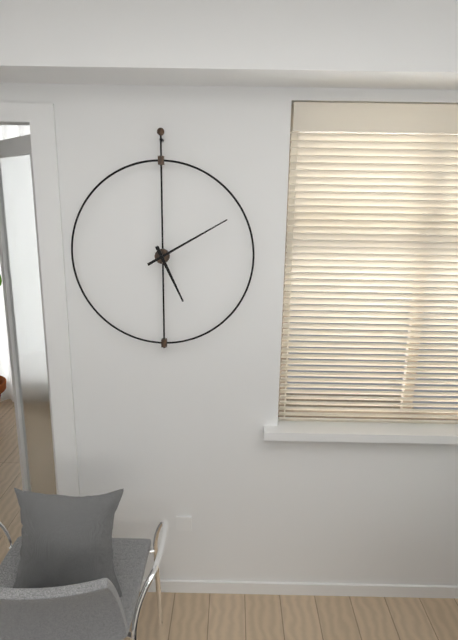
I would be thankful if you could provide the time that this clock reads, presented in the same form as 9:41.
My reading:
5:10
